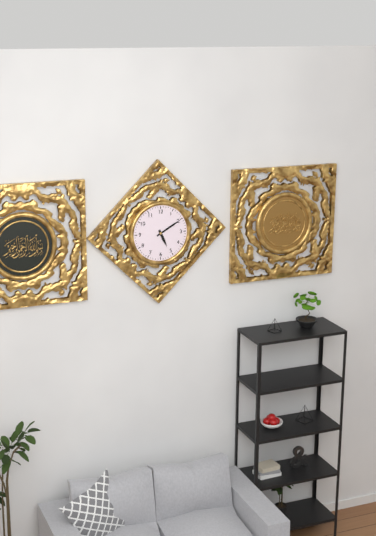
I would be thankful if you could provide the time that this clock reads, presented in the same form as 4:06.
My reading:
5:10
